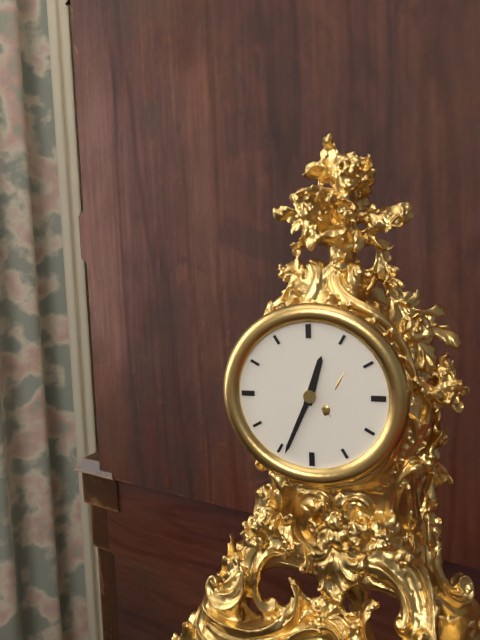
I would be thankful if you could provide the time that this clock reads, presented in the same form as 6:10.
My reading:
12:34
